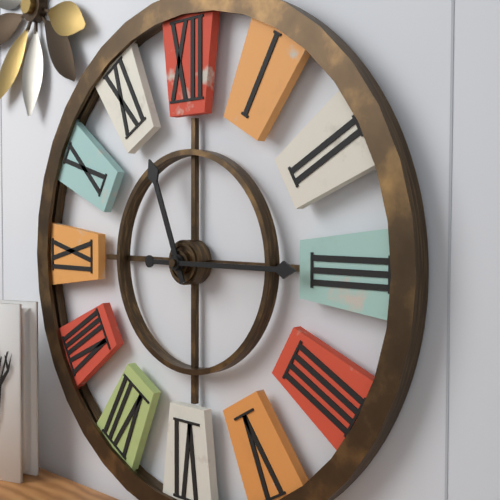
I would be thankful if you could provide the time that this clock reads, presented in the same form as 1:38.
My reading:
11:15
